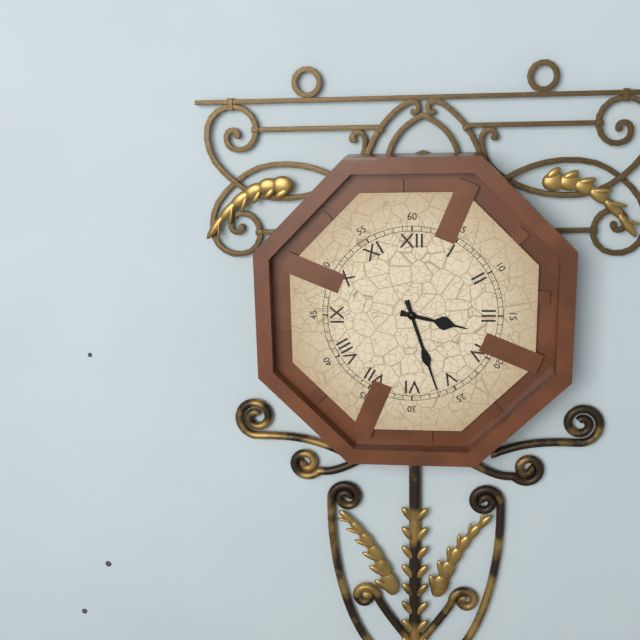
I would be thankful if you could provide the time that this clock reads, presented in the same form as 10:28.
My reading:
3:27
